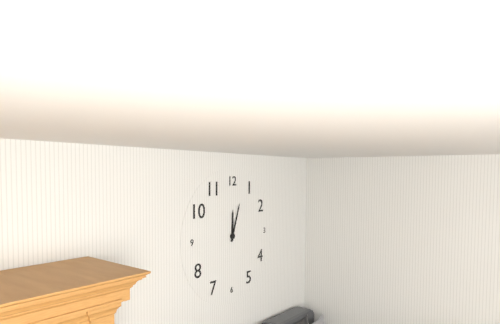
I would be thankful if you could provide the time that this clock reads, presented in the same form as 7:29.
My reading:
12:03
